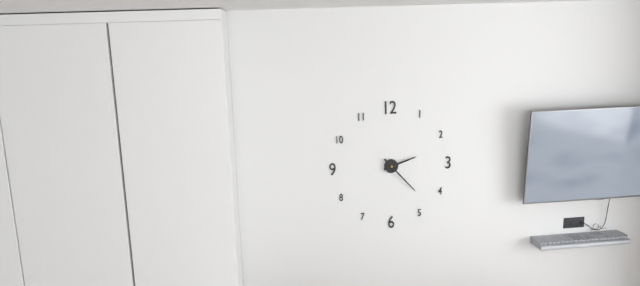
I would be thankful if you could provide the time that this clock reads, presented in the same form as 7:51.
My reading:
2:23
